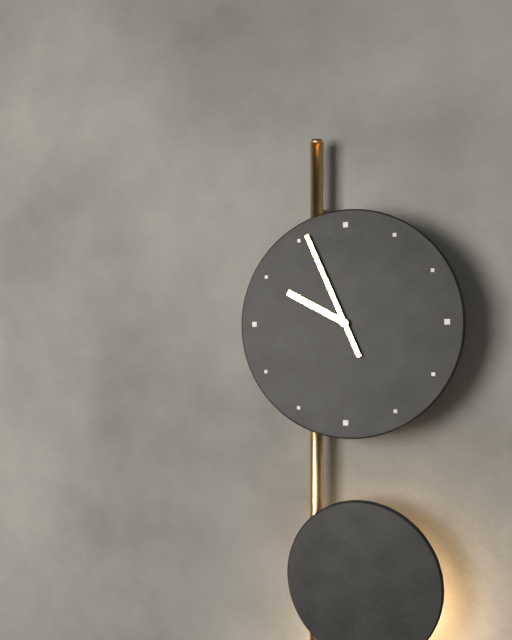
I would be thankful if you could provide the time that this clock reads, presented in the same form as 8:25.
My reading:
9:56
